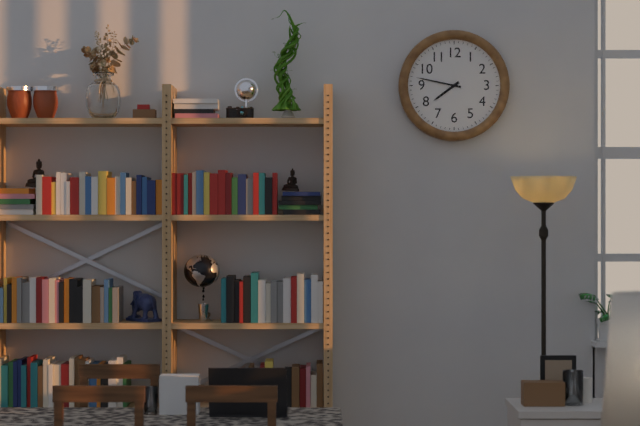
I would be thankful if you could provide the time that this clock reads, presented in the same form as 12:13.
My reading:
7:47
